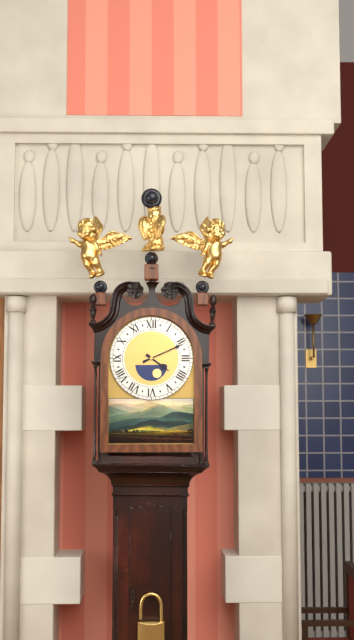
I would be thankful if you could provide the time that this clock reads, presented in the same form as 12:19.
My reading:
4:11
